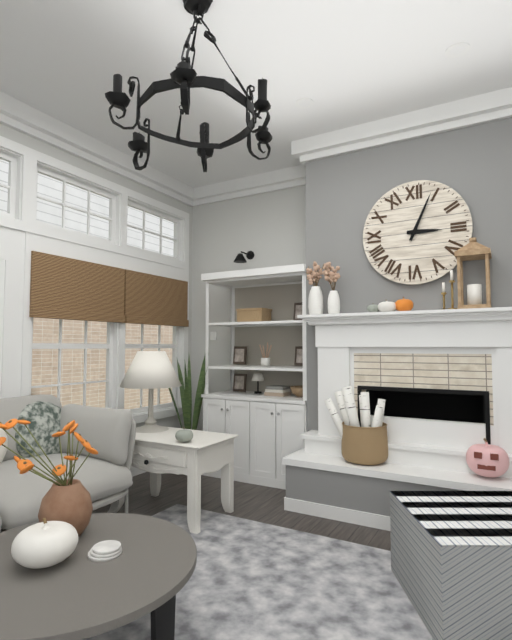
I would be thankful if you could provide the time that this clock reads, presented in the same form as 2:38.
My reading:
3:04
